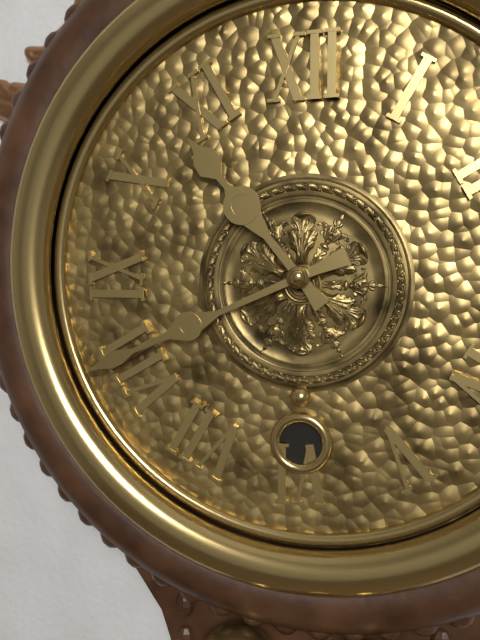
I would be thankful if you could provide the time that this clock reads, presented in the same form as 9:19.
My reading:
10:41
